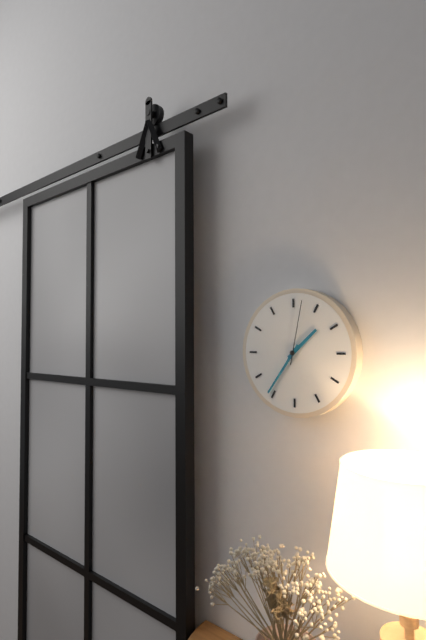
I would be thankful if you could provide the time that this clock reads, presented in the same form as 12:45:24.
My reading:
1:36:02
